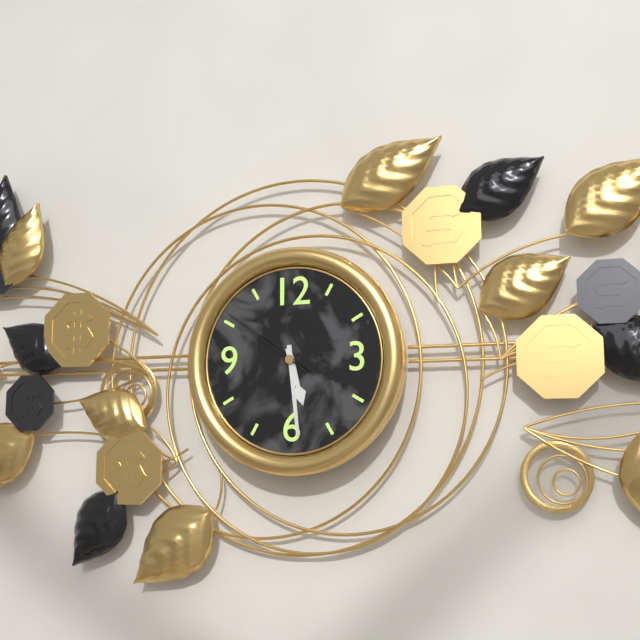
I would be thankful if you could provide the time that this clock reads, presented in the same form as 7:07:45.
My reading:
5:29:51
